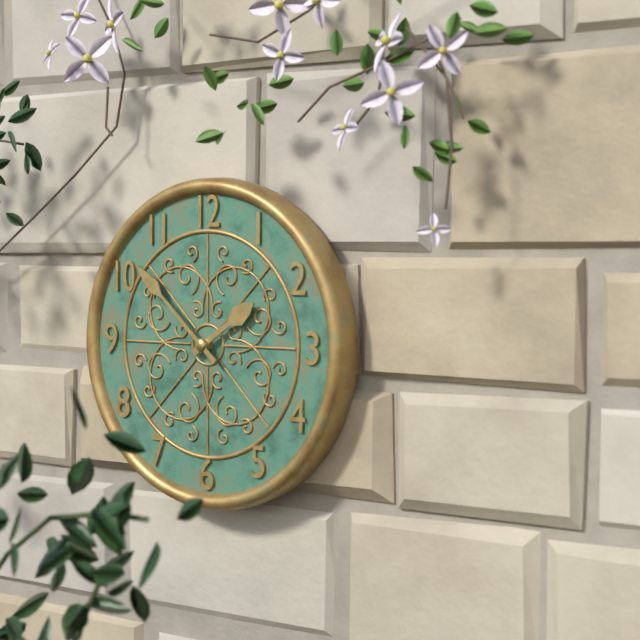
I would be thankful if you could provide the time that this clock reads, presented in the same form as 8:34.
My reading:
1:52
